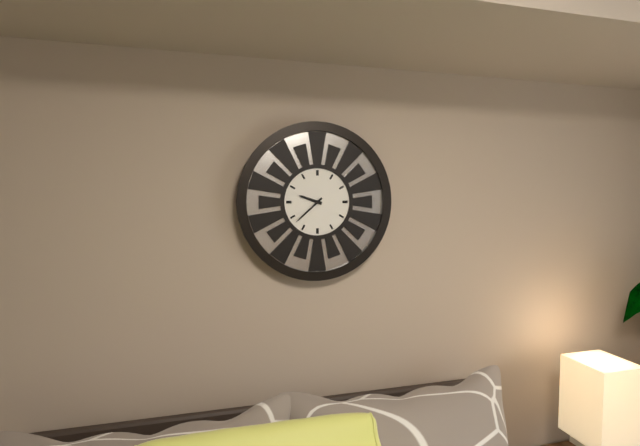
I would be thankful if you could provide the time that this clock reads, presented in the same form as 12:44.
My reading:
9:38
